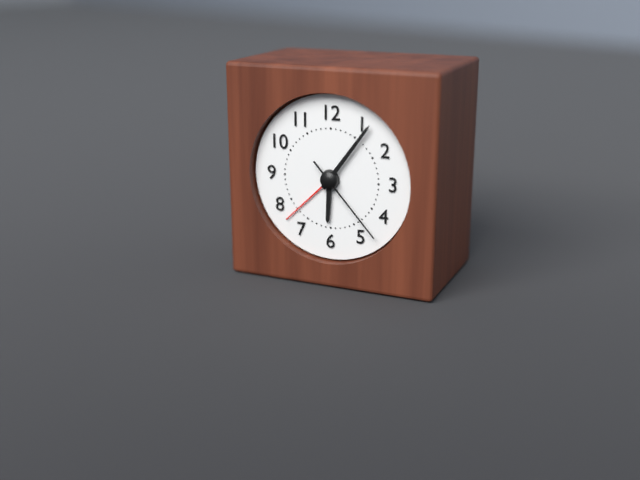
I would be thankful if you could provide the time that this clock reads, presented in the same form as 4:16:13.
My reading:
6:06:23
